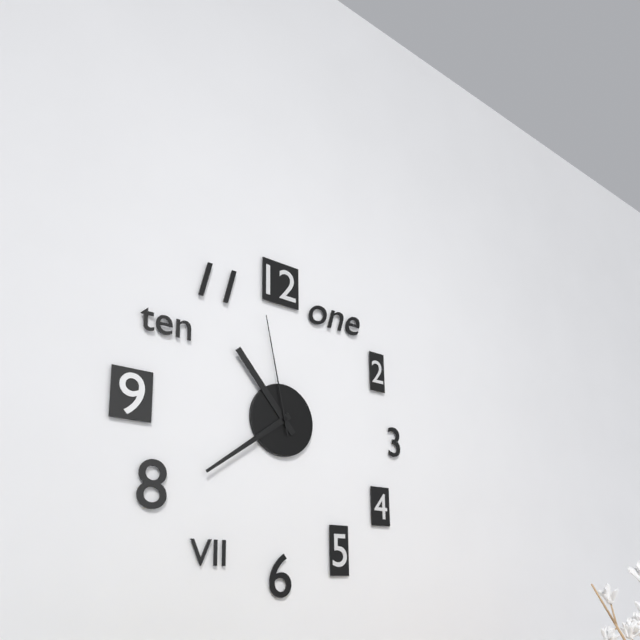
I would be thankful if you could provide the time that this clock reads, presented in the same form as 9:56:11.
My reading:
10:39:58
